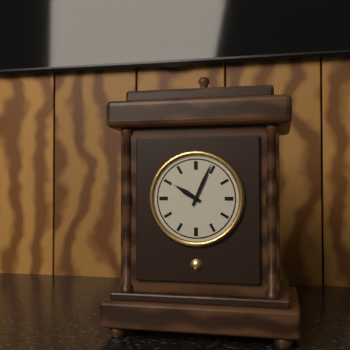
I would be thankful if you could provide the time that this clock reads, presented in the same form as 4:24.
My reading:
10:04
